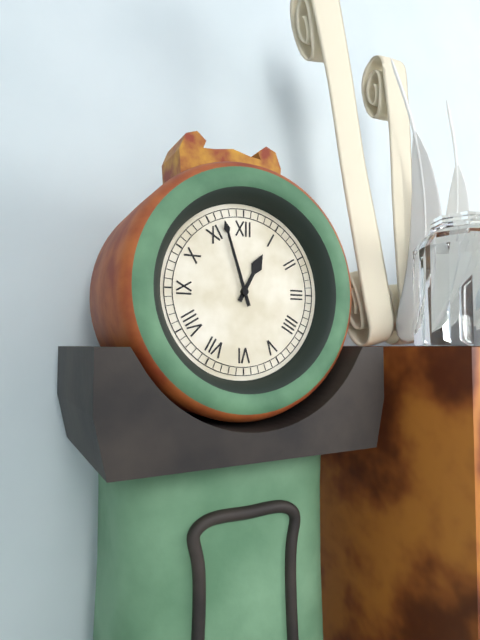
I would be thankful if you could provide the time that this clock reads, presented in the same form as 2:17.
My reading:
12:57
